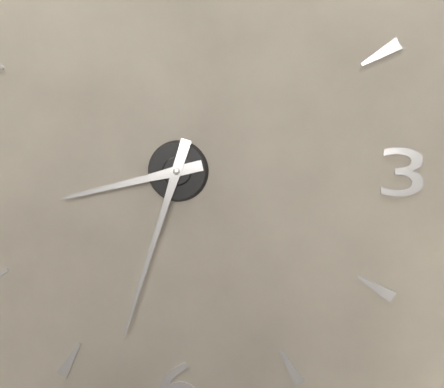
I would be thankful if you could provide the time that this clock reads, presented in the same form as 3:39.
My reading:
8:33
